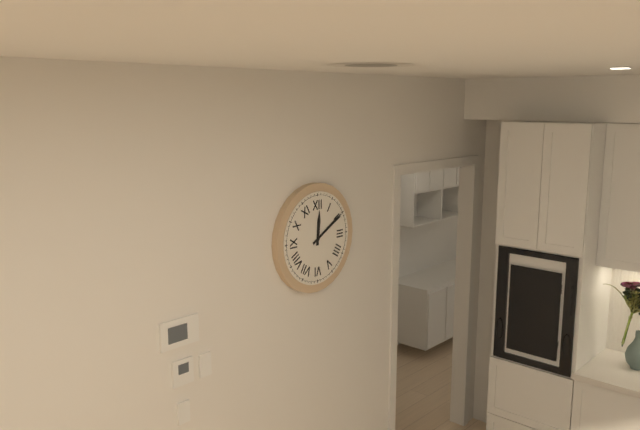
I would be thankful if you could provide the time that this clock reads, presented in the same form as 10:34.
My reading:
12:10
